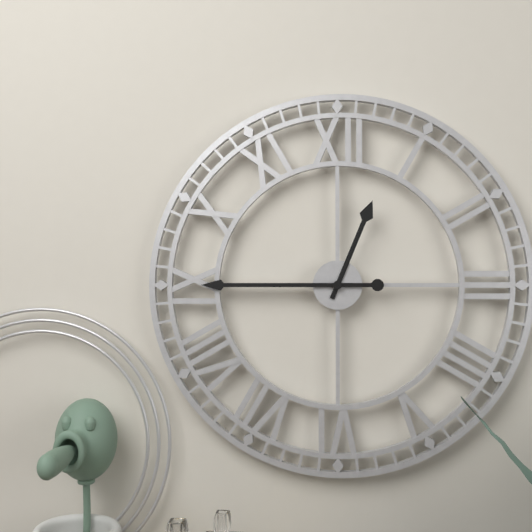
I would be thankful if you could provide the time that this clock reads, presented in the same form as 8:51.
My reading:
12:45
